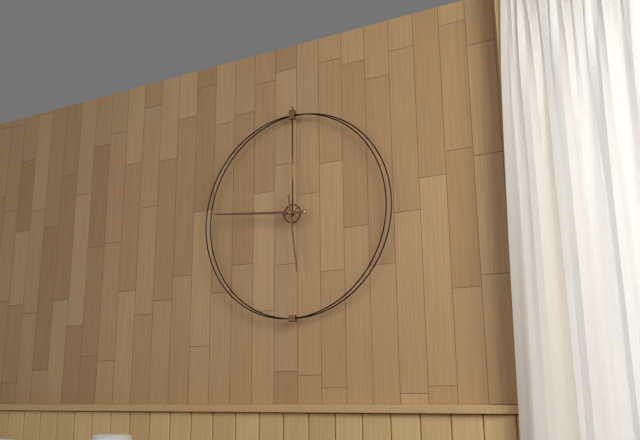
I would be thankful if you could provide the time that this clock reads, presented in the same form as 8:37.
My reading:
5:46
